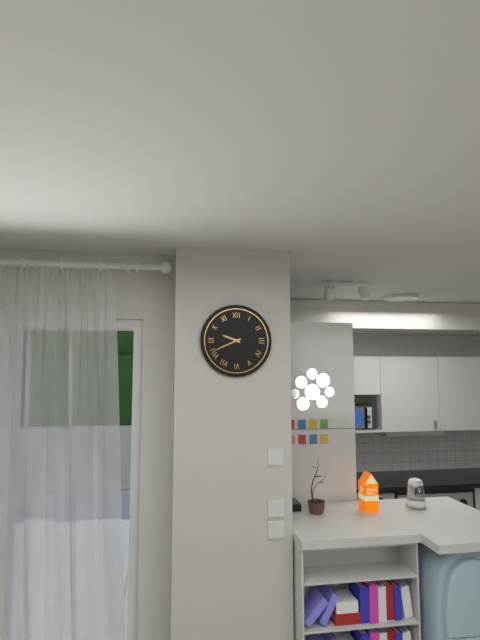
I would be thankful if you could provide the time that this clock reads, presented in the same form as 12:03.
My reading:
9:41
